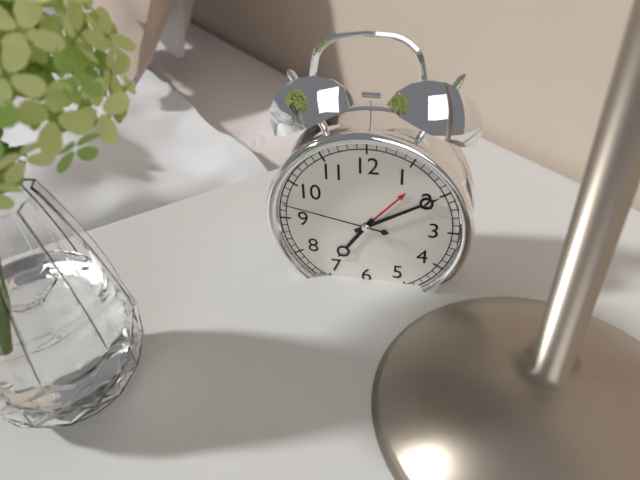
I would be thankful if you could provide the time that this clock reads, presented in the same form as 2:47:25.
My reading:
7:10:47
